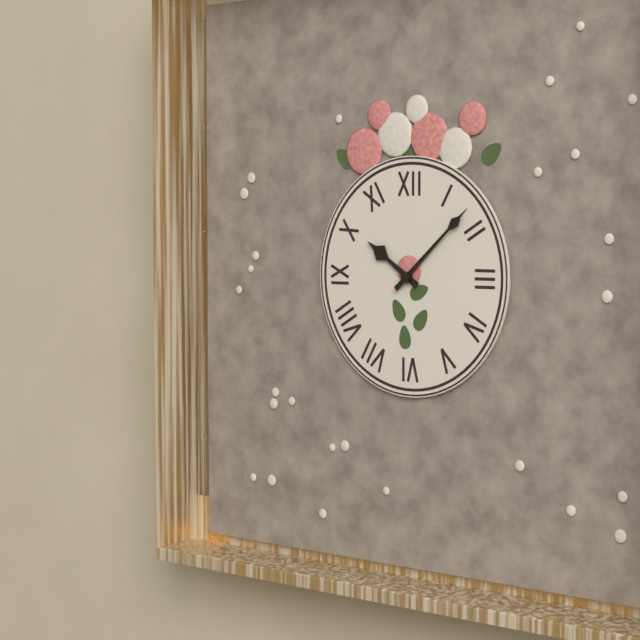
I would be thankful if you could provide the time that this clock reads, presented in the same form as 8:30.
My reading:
10:08
